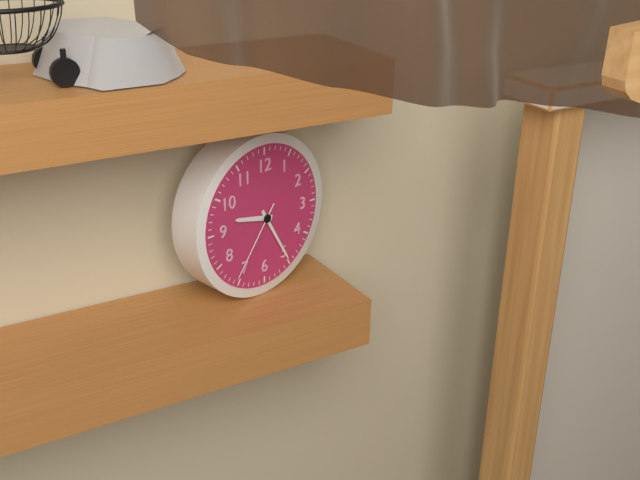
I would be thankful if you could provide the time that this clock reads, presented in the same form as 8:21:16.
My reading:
9:25:36
